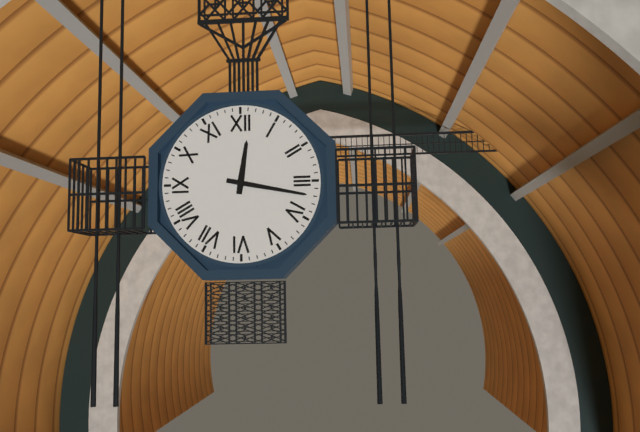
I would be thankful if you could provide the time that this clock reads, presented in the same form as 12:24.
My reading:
12:17
